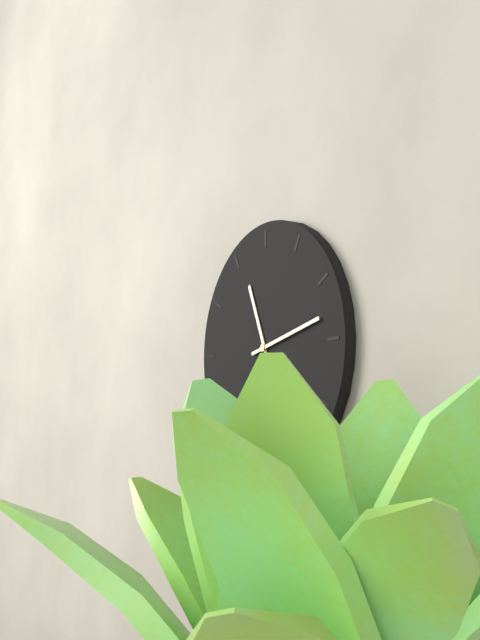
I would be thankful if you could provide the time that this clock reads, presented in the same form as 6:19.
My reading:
11:13
